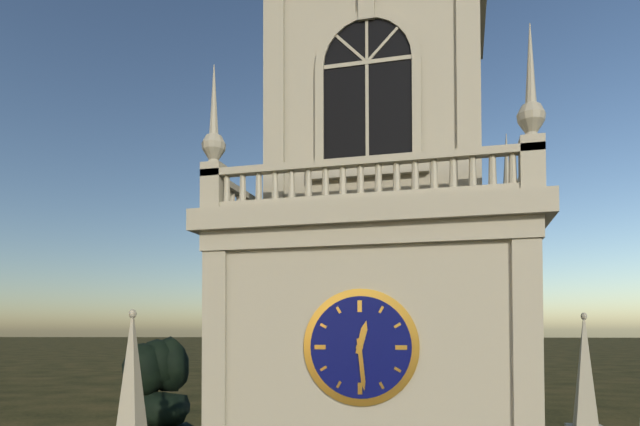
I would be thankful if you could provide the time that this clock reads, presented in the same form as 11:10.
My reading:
12:29
